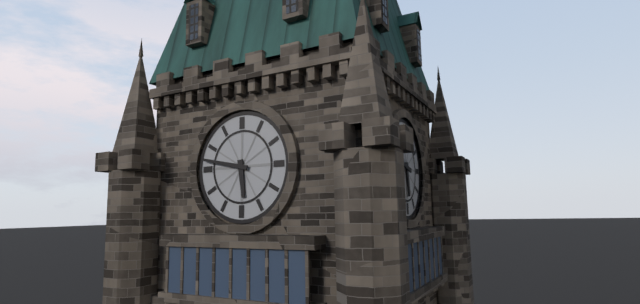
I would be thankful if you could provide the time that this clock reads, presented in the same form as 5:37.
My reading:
5:47
